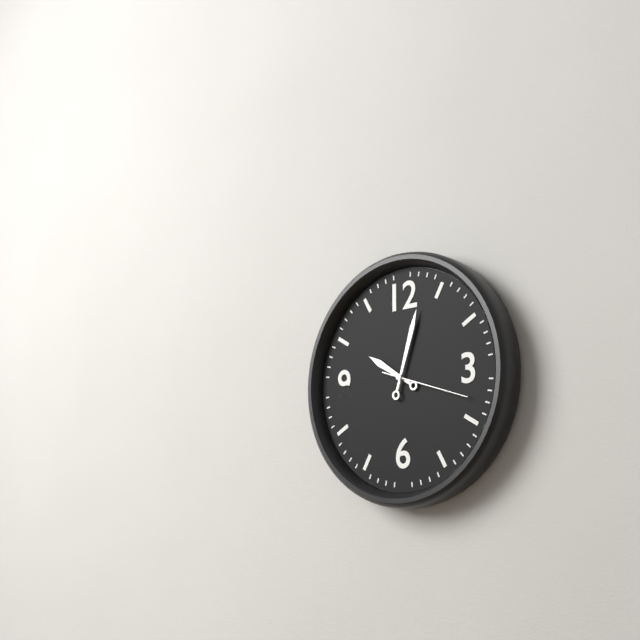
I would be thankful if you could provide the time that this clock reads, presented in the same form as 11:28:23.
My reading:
10:03:18
